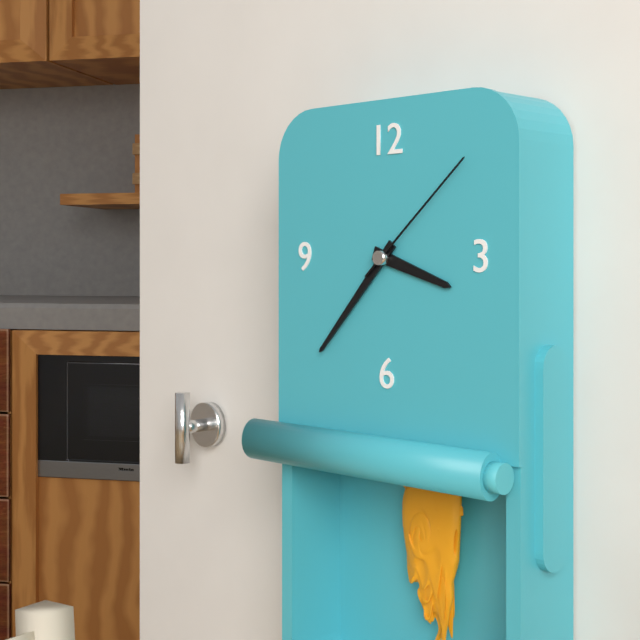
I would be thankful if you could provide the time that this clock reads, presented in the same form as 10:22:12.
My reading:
3:37:08
